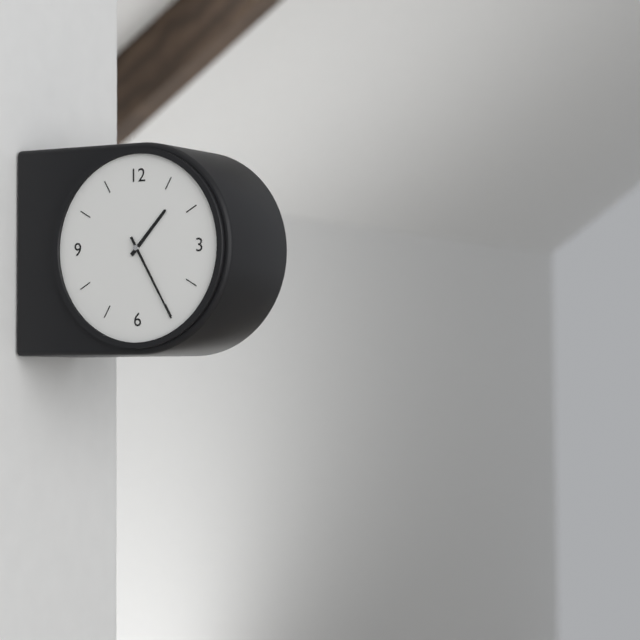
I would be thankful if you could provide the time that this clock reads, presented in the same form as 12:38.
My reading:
1:25
